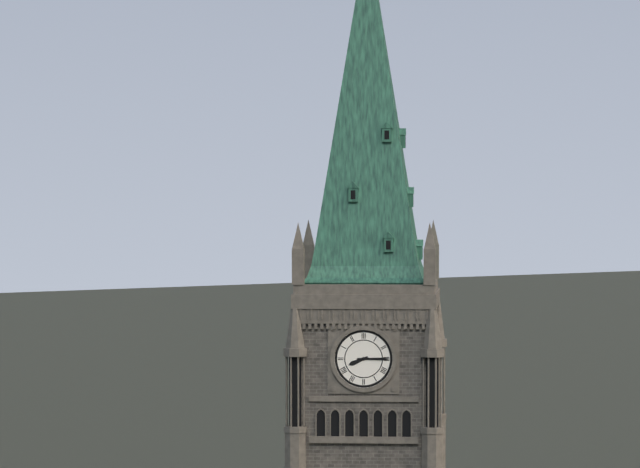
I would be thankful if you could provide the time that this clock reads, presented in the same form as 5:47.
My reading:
8:15
